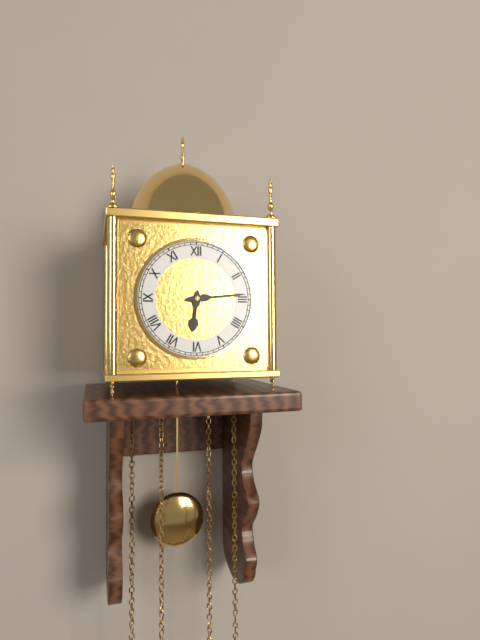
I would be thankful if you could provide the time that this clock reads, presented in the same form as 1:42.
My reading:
6:14
